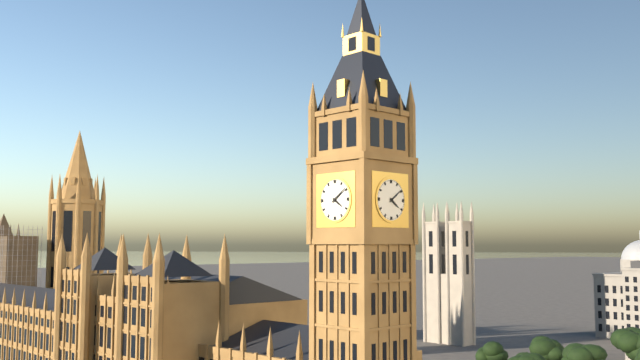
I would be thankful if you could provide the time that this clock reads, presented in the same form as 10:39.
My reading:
4:09
